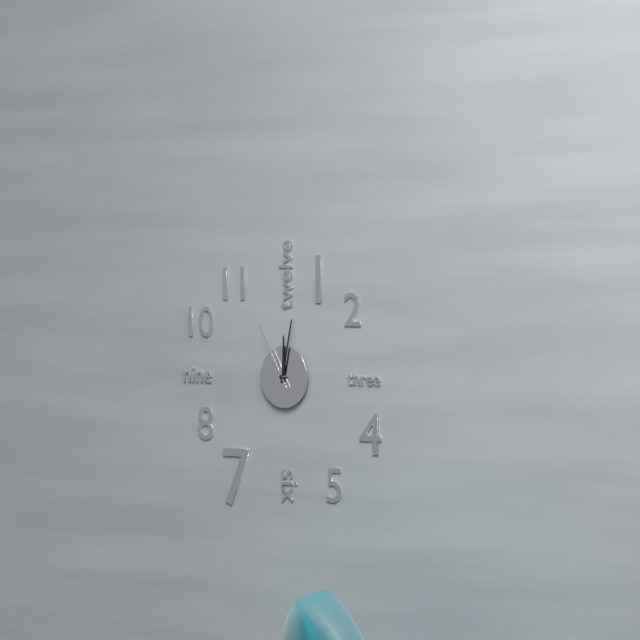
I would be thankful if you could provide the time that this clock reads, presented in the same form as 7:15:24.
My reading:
12:02:55
